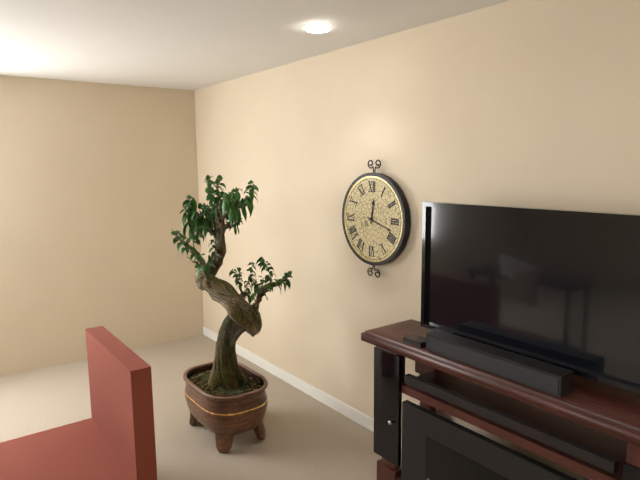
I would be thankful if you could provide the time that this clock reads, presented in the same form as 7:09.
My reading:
12:18
